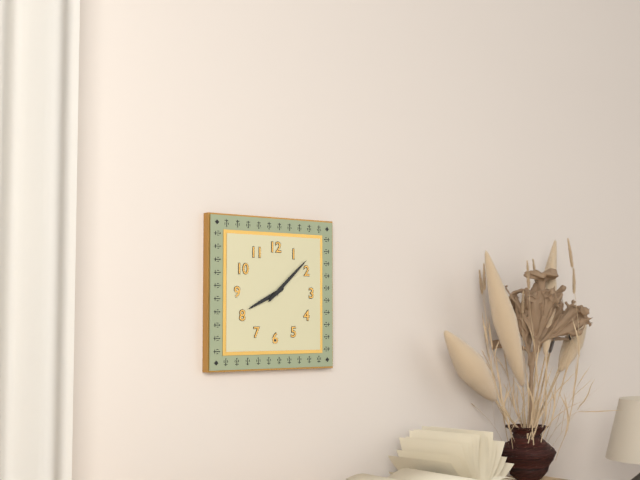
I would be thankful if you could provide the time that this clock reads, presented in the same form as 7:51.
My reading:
8:08
